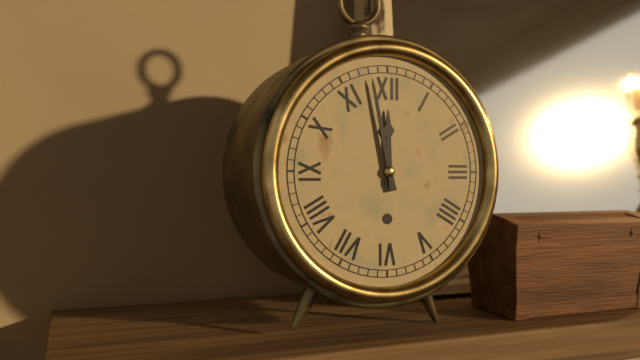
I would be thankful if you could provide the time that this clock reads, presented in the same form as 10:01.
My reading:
11:58
